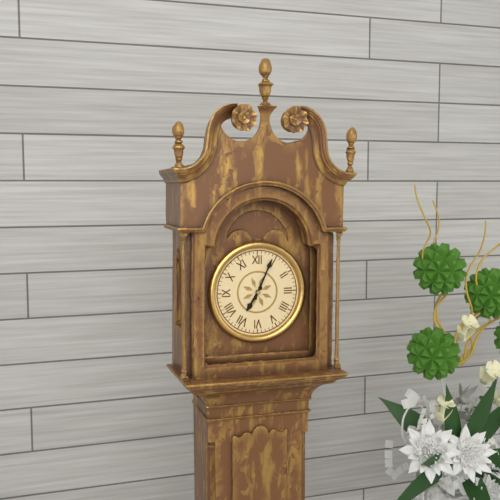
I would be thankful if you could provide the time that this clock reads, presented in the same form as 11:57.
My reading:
7:04
